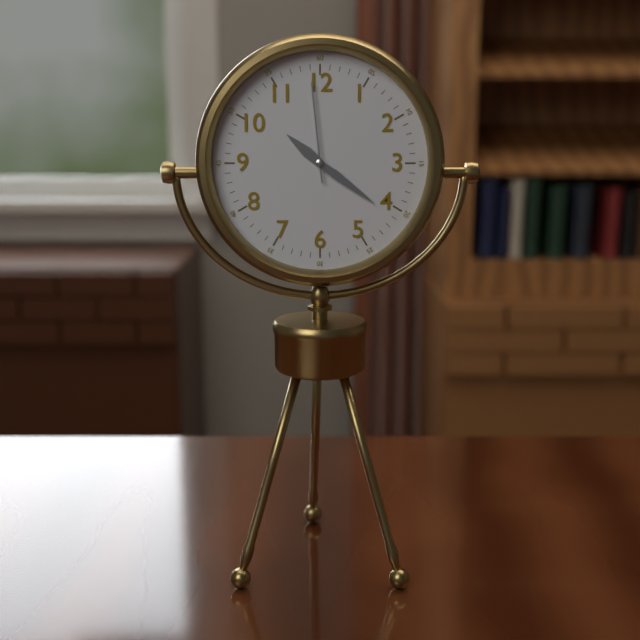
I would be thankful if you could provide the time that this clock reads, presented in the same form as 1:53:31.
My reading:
10:21:59
